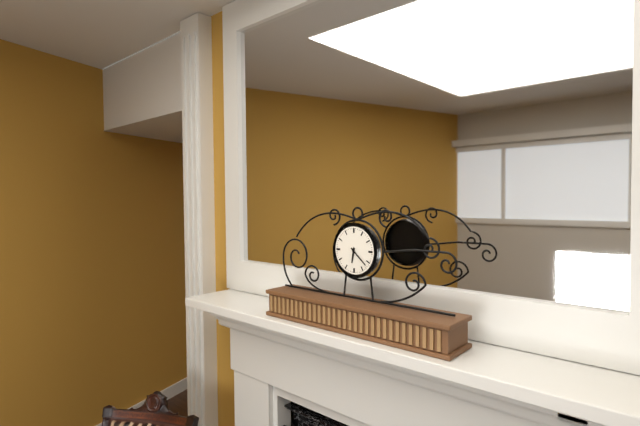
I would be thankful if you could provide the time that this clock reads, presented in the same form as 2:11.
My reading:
6:22
